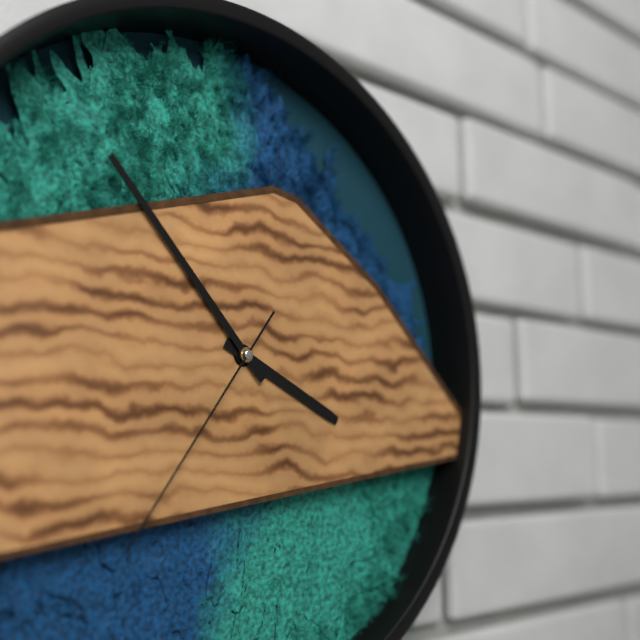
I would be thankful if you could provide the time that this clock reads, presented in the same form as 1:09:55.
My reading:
3:53:36
